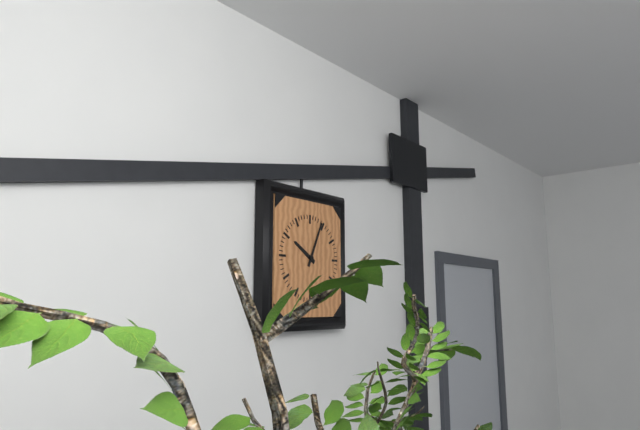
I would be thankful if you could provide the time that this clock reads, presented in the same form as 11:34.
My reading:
10:04
